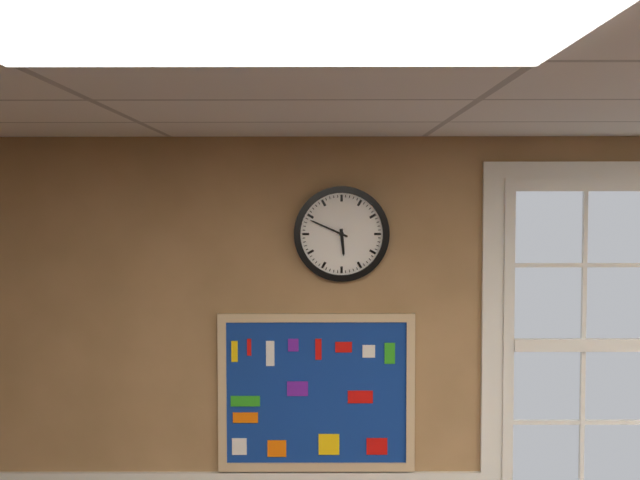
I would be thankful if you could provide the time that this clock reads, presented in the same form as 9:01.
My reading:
5:49
